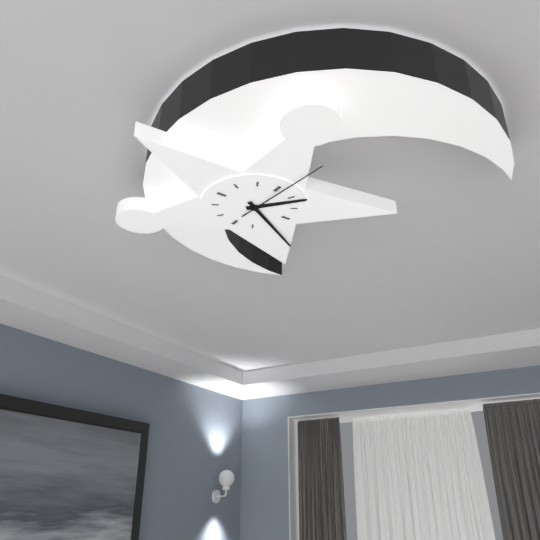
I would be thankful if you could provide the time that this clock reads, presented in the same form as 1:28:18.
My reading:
1:20:01
